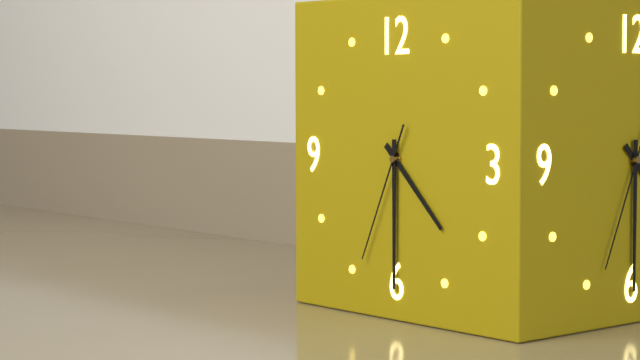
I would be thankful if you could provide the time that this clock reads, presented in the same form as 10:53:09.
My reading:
4:30:34
